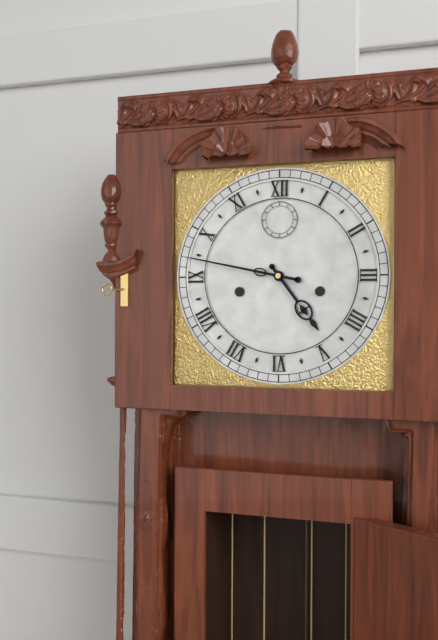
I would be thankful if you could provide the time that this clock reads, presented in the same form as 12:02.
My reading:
4:47
